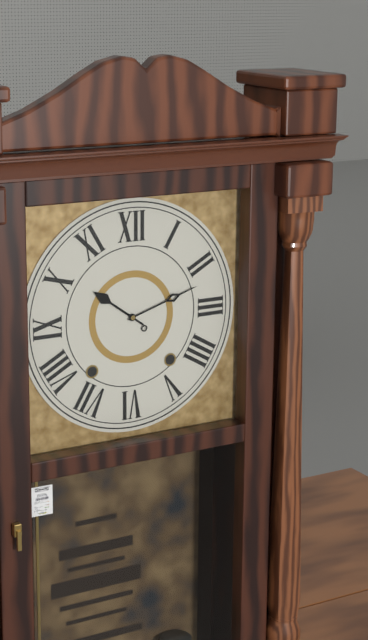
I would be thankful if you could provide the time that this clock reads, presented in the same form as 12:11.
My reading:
10:12
